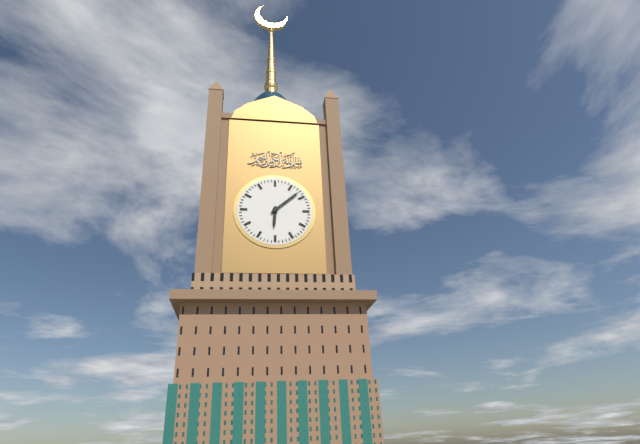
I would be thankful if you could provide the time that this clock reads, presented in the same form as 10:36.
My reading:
6:08
